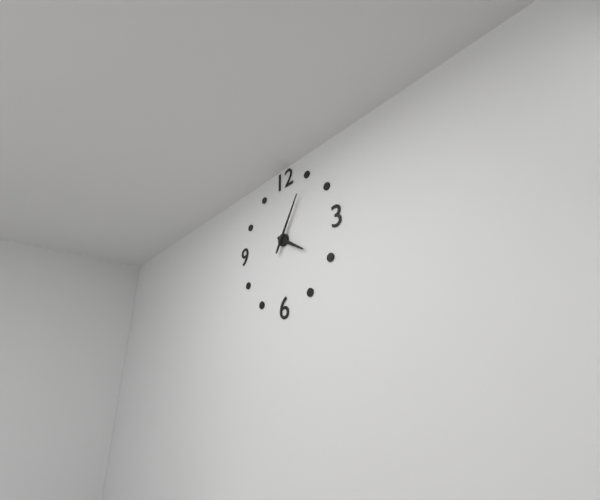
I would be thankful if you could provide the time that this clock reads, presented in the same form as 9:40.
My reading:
4:05
